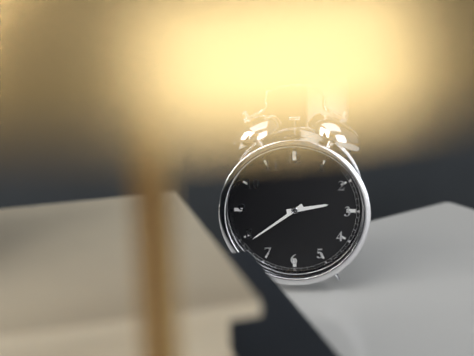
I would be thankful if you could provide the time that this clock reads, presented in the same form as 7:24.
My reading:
2:39
